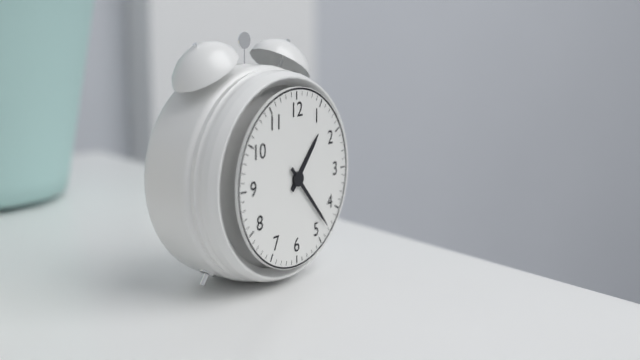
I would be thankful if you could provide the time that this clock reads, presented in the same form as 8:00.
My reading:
1:23
